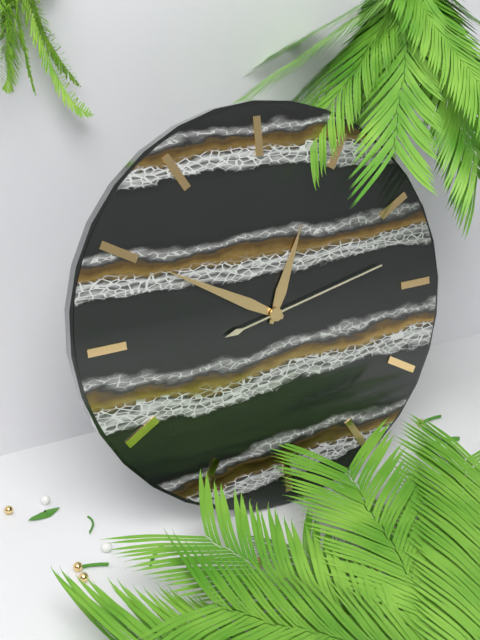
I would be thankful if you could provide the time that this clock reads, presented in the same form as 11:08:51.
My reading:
12:50:13
